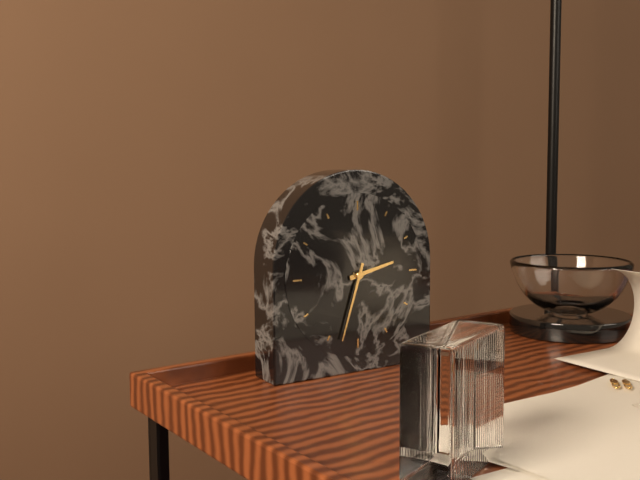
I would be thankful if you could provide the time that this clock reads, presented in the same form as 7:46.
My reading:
2:33
